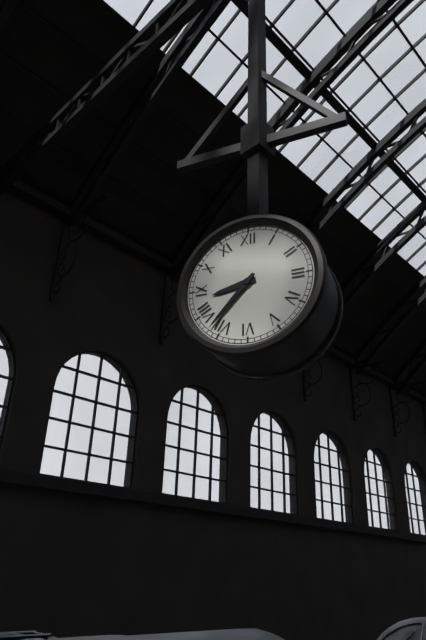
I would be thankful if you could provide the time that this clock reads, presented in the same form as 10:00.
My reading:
8:37
